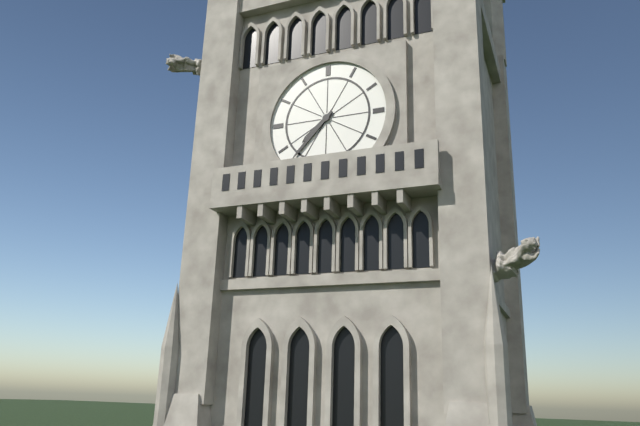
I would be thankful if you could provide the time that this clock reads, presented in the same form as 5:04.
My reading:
7:37
